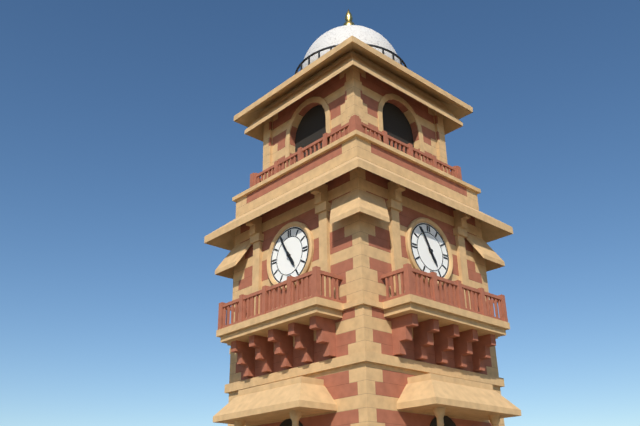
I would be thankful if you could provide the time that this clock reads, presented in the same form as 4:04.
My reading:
4:55
